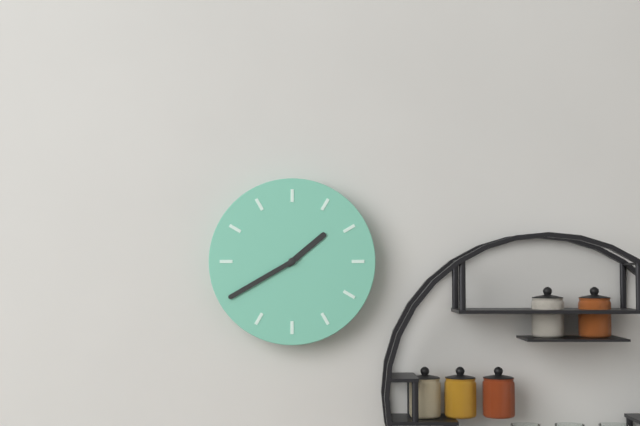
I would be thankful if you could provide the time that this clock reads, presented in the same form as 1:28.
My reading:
1:40
